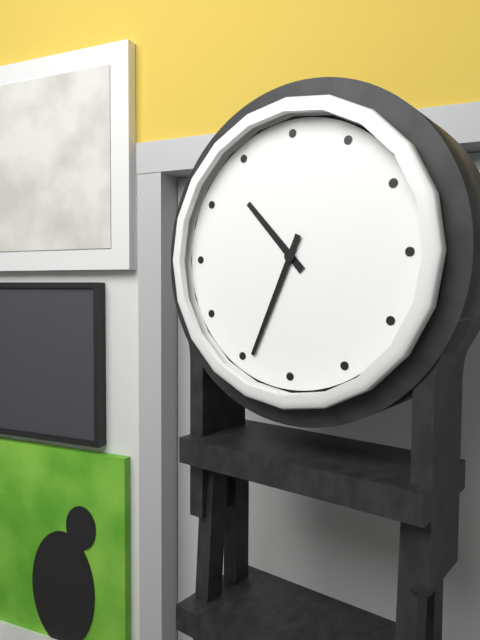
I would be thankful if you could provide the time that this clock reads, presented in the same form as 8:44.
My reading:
10:34
